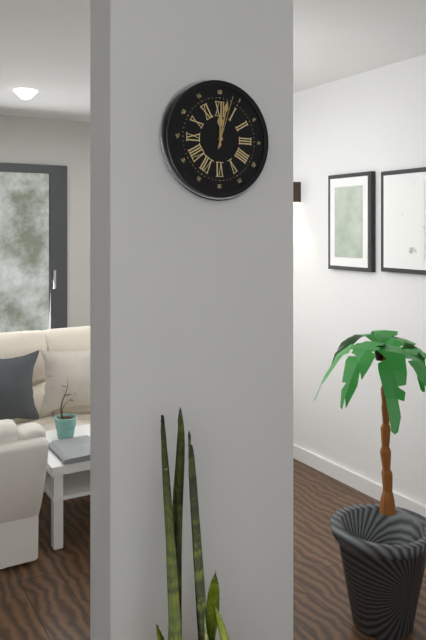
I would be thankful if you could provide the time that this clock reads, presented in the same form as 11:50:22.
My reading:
12:02:03
